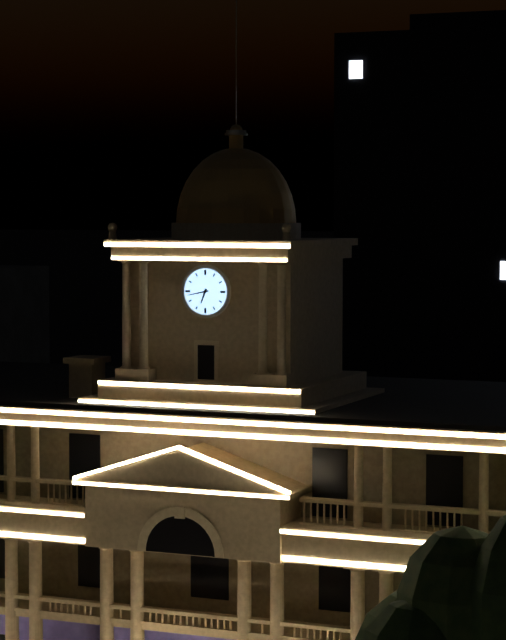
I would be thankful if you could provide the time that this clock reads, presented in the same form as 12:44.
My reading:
6:43
